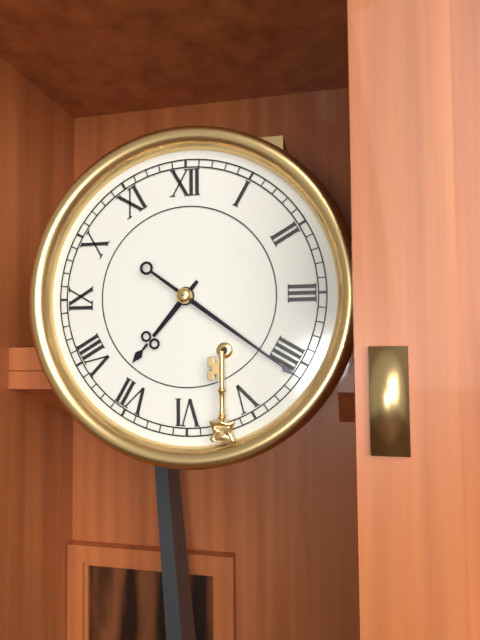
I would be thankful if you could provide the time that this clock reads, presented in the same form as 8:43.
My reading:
7:21
